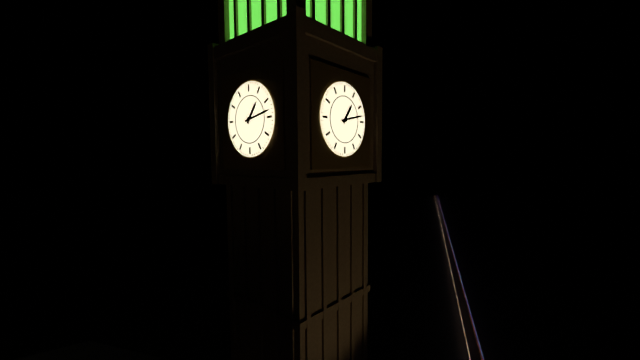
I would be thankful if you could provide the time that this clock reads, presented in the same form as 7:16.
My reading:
1:13
